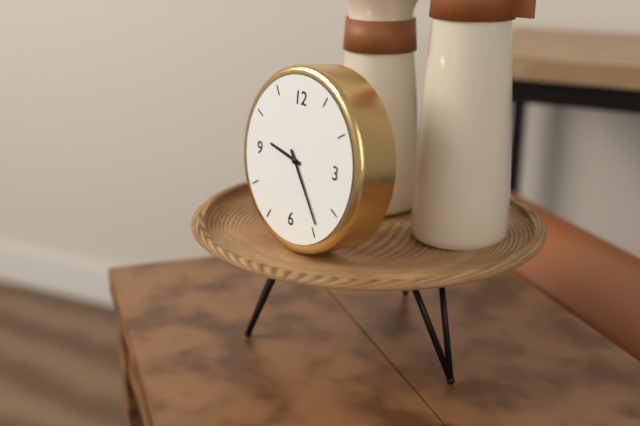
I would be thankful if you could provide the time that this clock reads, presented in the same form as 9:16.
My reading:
9:24
